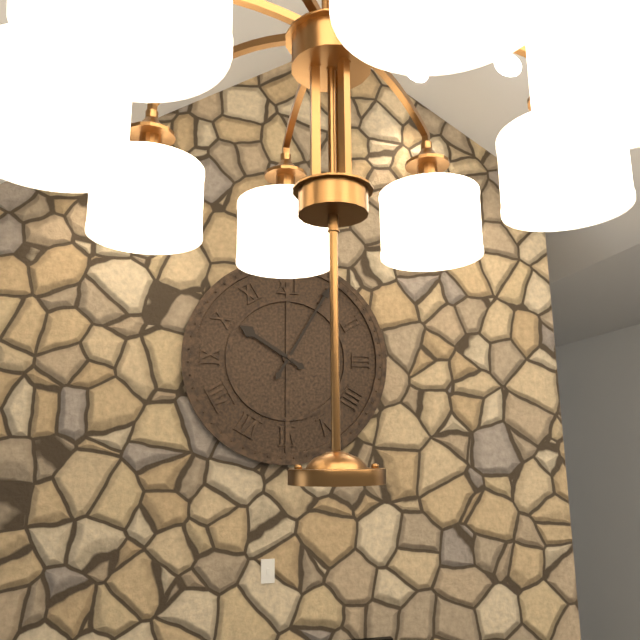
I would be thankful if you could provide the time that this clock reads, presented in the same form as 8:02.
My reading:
10:05
